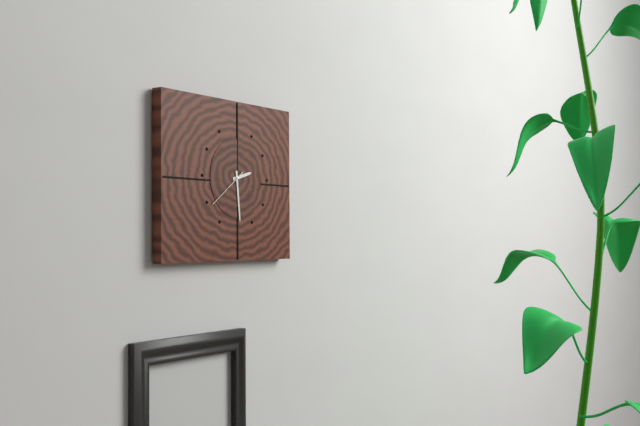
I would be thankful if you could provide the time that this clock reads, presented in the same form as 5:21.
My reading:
2:29
